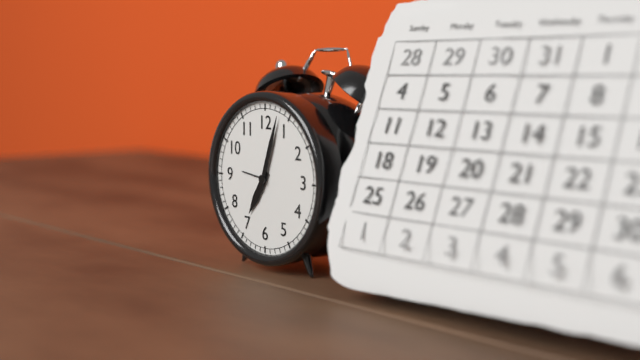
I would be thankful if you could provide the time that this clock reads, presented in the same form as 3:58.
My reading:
7:03
